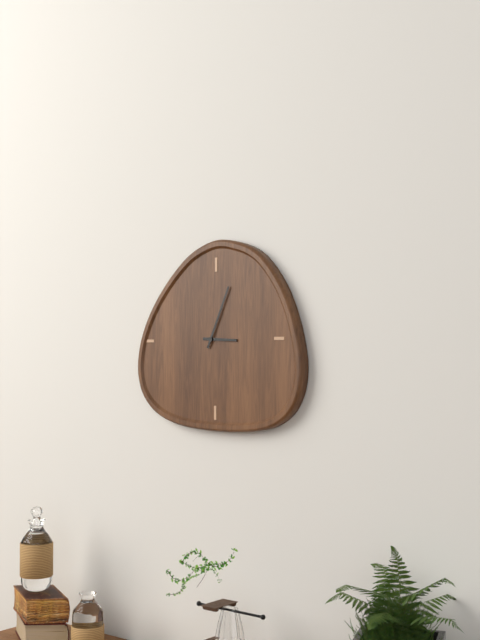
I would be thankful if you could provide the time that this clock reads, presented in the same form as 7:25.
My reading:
3:04
